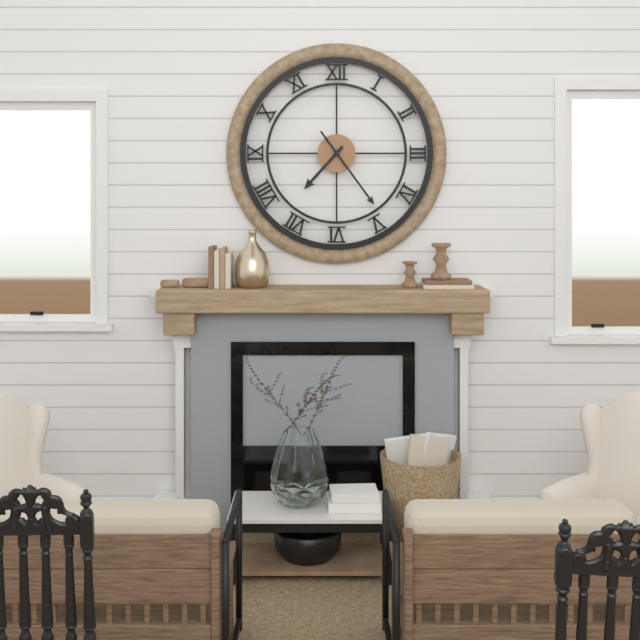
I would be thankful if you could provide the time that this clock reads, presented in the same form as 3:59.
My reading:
7:24
